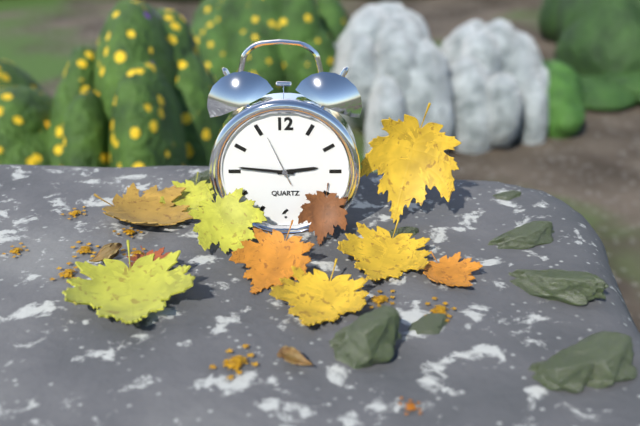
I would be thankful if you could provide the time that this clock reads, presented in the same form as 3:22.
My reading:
2:46
